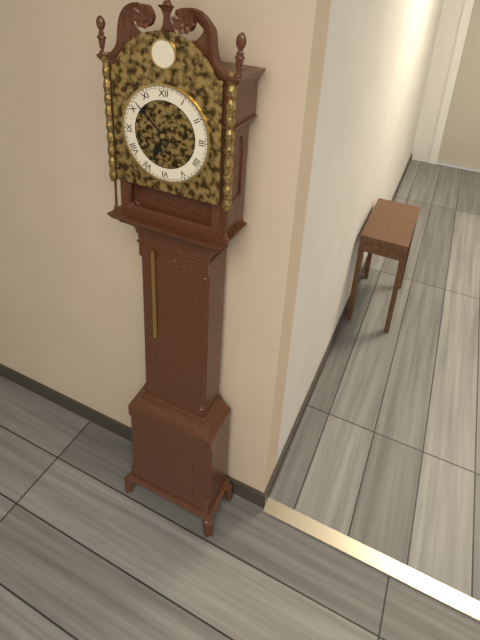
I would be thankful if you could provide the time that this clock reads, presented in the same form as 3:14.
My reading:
6:52
